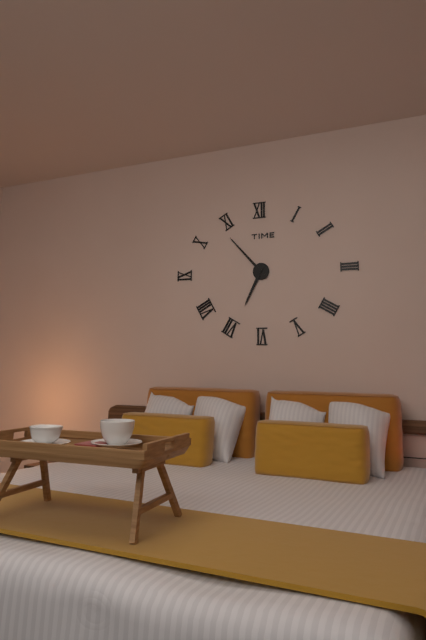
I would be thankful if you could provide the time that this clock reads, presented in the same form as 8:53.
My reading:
6:53
